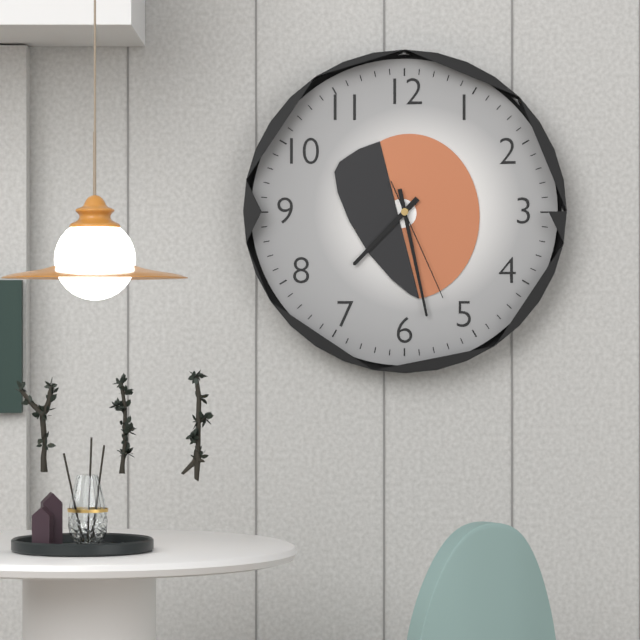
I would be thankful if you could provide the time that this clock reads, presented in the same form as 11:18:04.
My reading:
7:28:26
